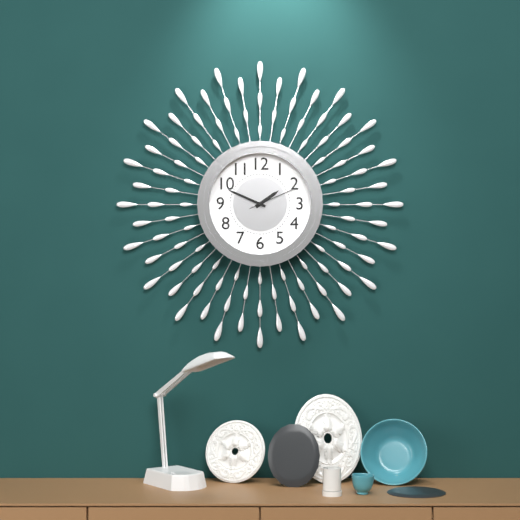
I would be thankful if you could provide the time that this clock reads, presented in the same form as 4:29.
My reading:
1:49
